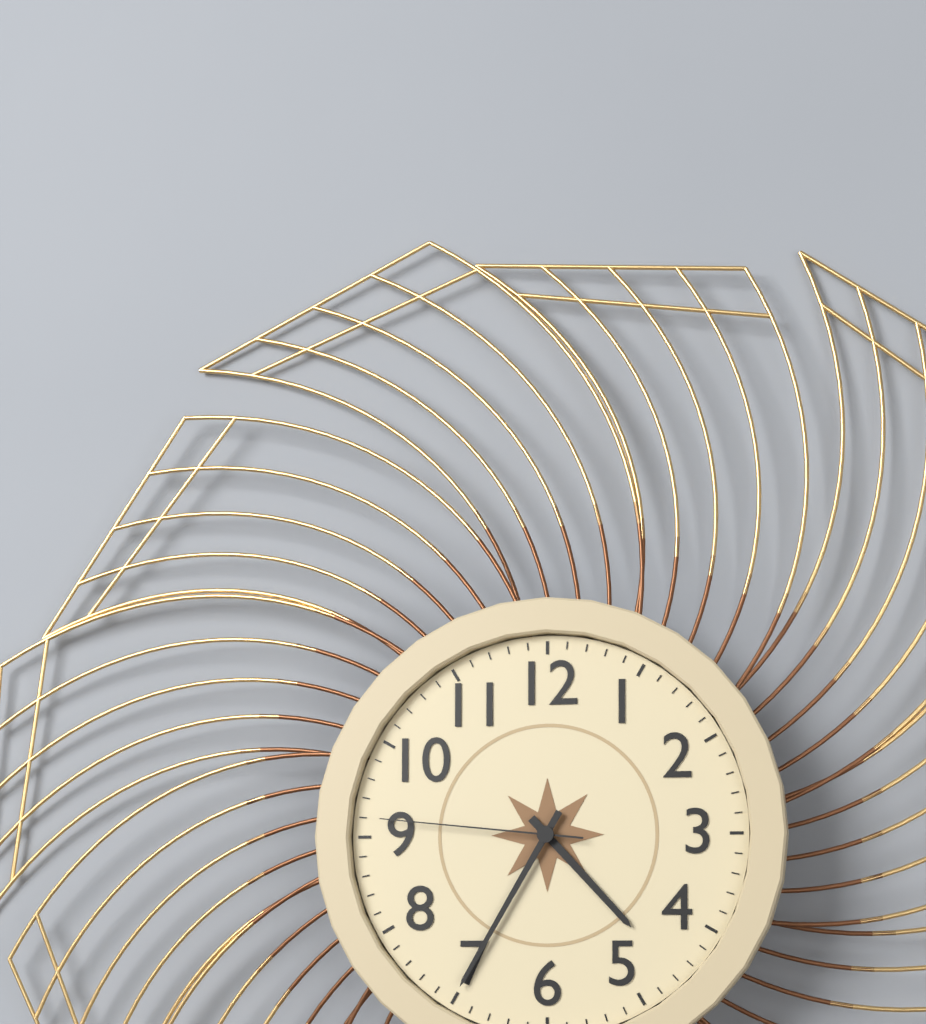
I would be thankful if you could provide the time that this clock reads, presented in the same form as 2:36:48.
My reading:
4:35:46
